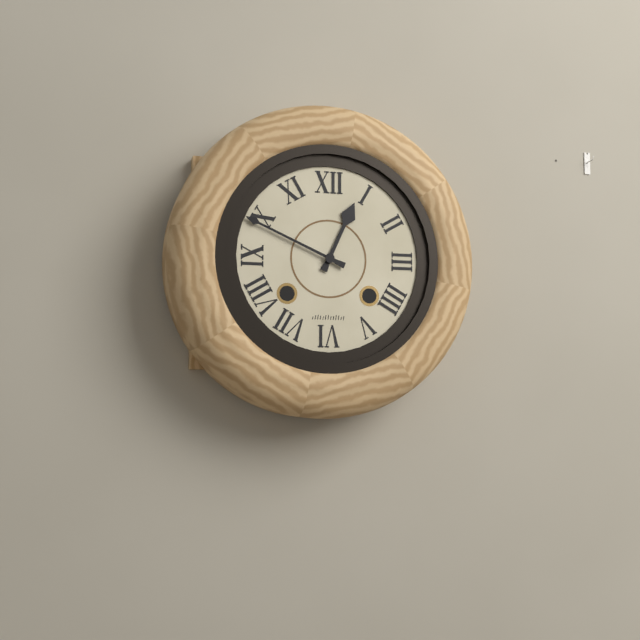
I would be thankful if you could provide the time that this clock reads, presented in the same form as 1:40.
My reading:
12:49
